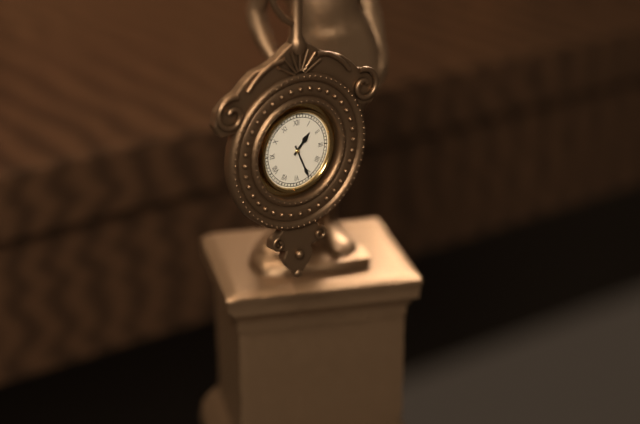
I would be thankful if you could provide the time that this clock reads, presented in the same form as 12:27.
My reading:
1:26
